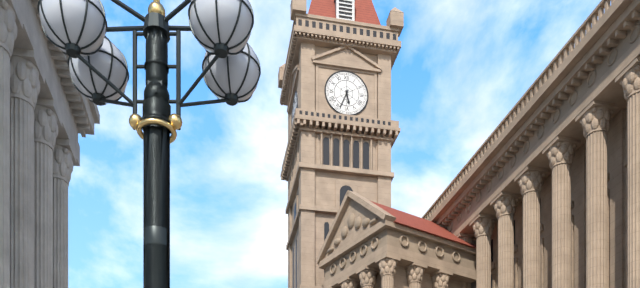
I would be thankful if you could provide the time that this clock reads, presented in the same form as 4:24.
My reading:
5:34
